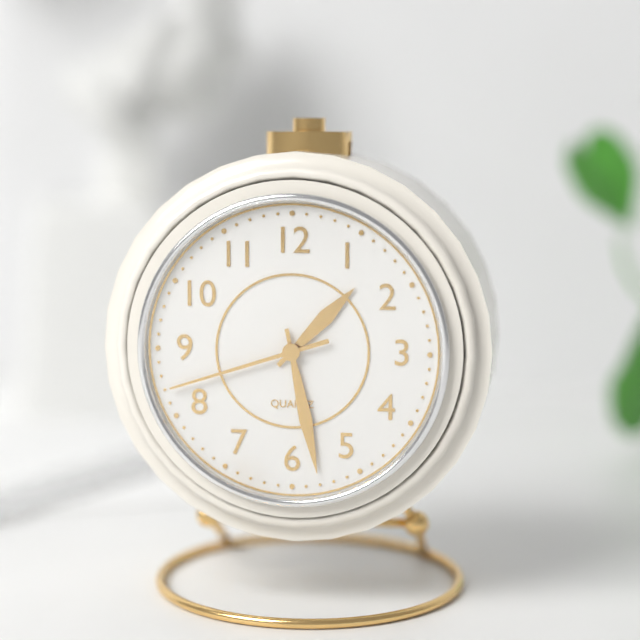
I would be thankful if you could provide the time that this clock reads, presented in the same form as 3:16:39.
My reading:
1:28:42
